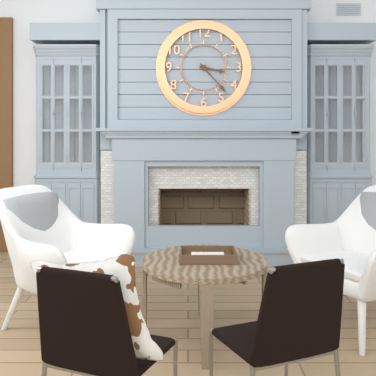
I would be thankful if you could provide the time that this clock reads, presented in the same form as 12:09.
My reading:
3:23
